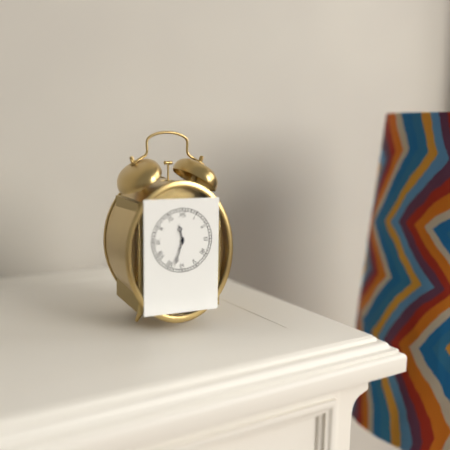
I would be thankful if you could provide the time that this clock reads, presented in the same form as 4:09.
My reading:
11:33
